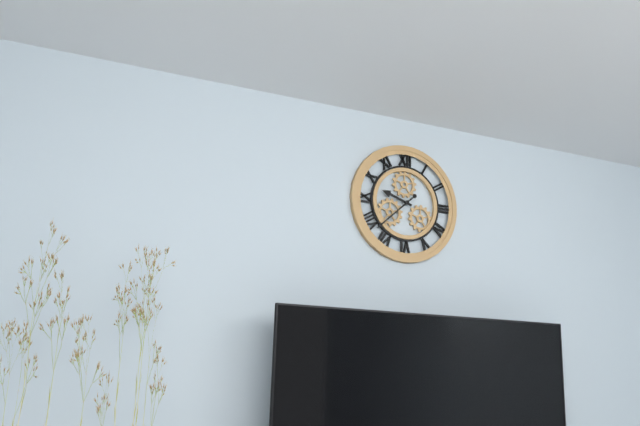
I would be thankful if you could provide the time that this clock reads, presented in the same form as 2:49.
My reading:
9:38
